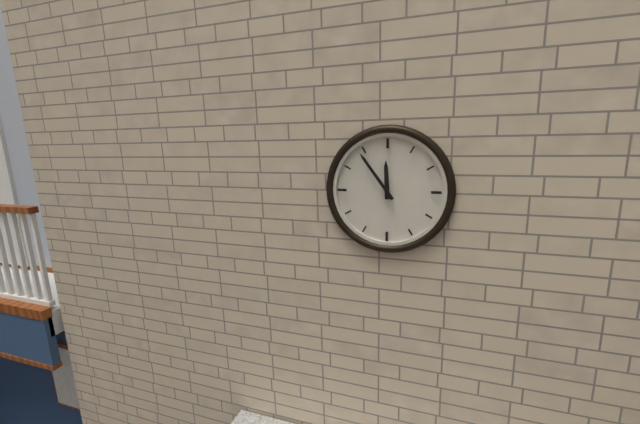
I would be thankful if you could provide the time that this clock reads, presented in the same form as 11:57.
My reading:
11:54
